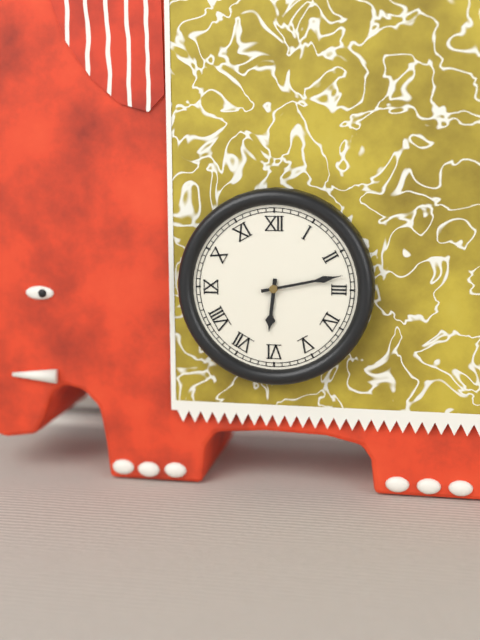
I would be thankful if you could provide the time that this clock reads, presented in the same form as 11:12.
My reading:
6:13
